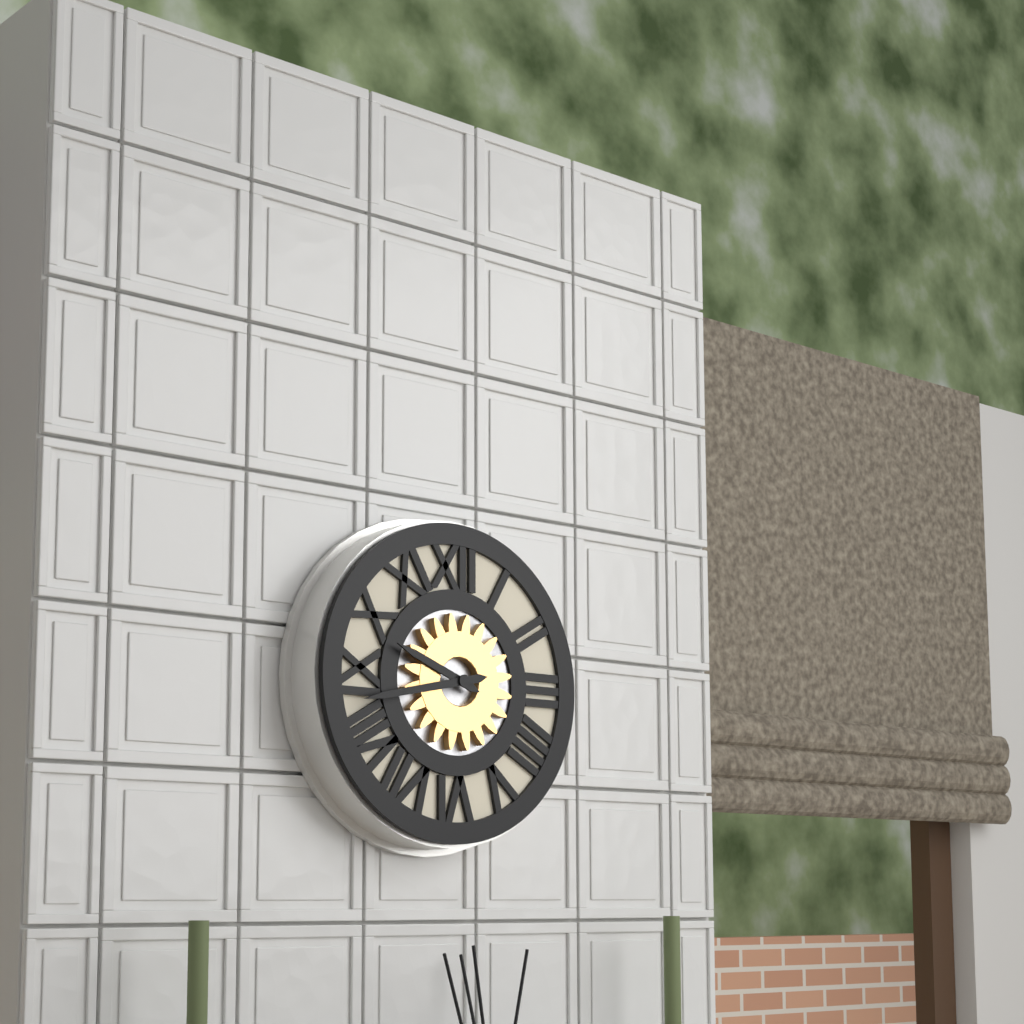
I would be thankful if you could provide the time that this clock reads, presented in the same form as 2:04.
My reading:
9:43
